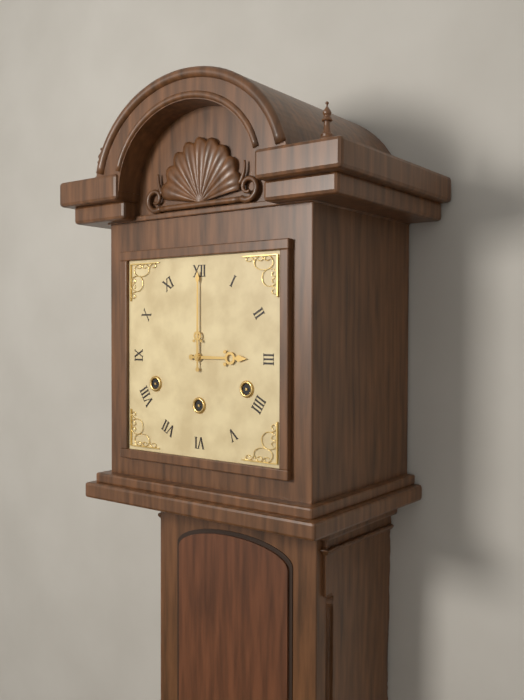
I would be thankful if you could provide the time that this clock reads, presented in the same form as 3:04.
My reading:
3:00
